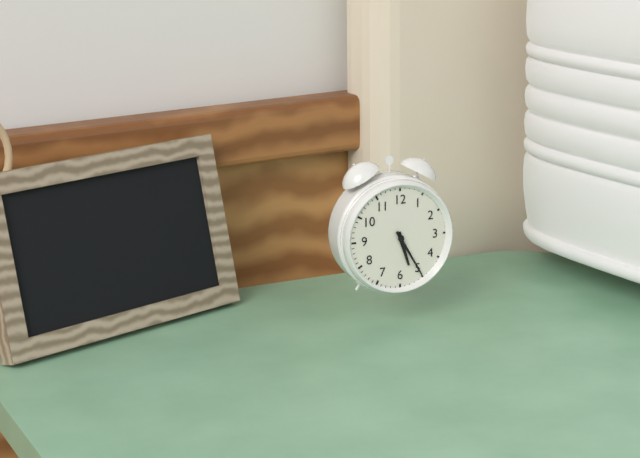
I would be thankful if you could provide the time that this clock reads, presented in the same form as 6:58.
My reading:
5:25
